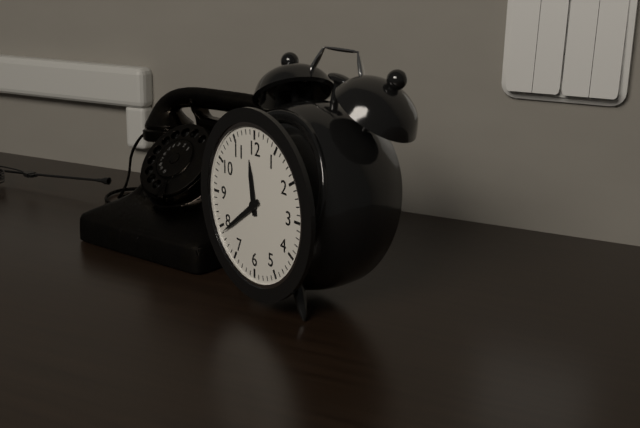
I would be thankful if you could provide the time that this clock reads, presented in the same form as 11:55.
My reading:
11:39
